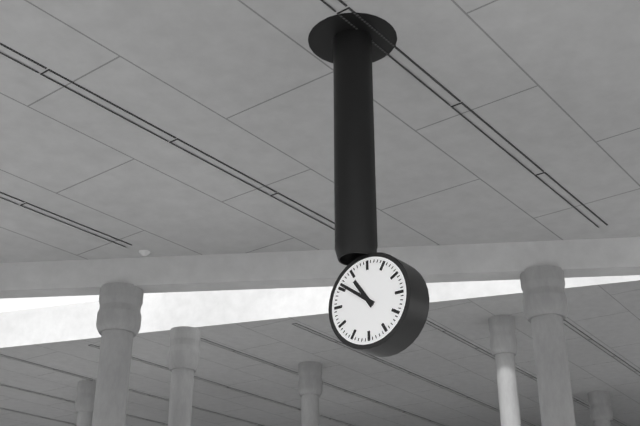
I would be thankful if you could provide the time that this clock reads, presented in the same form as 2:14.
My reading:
10:51
